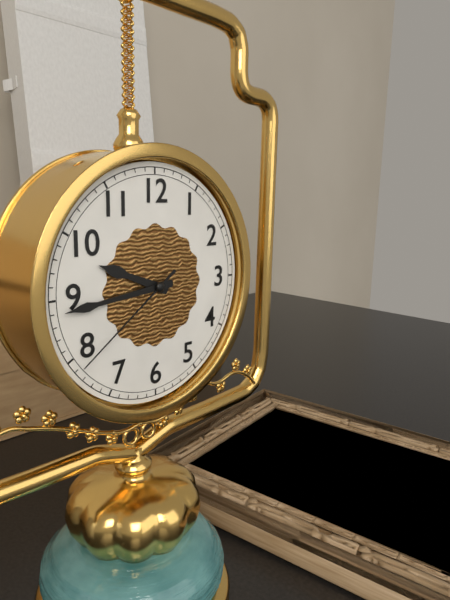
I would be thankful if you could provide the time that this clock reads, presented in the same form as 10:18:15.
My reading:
9:44:39
